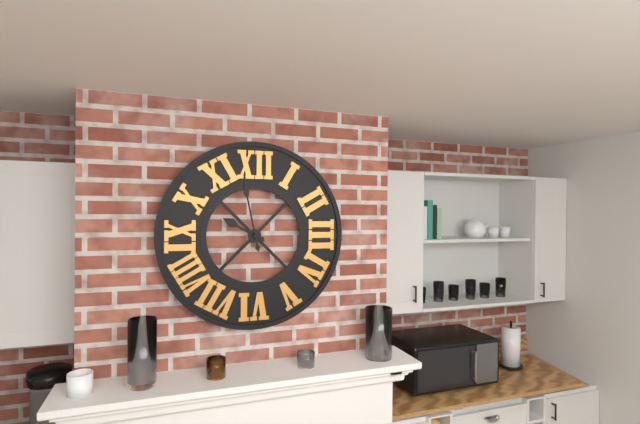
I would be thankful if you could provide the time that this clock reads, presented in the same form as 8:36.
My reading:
9:58
